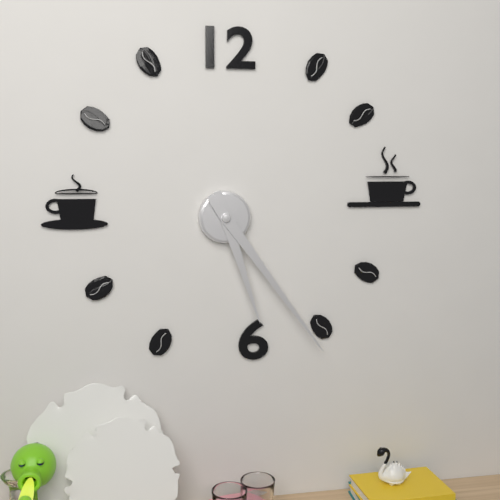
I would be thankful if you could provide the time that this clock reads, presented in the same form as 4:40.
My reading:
5:24
